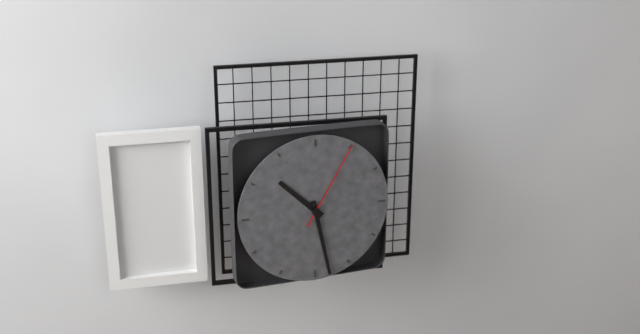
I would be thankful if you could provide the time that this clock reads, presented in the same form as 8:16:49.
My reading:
10:28:05
